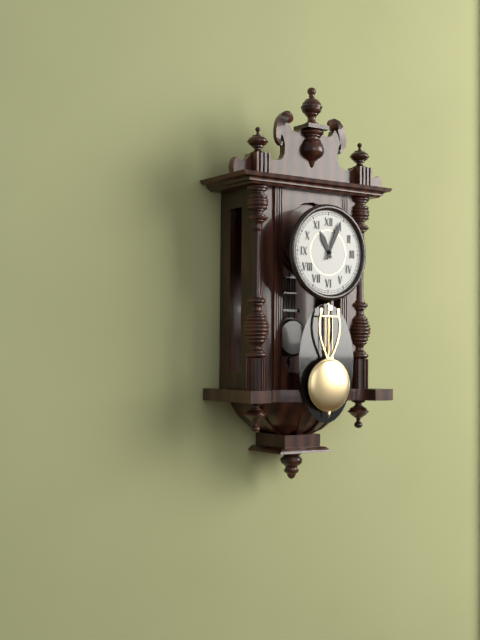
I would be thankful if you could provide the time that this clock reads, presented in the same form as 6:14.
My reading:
11:04
